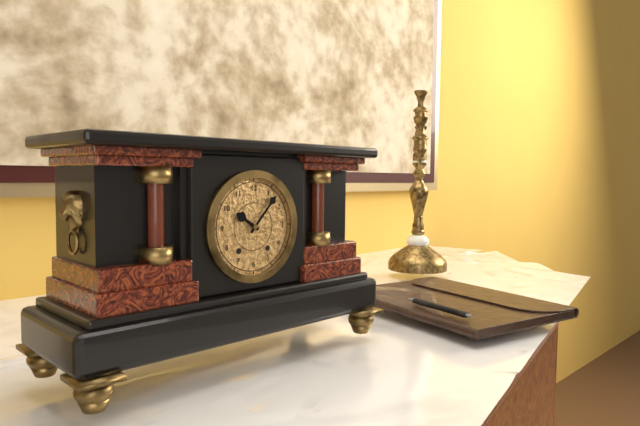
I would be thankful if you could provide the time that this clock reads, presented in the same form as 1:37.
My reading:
10:07
